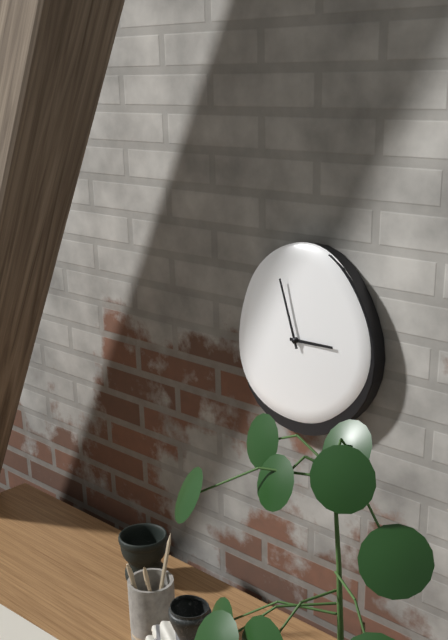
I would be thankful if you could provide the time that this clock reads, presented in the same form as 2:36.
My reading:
2:57
